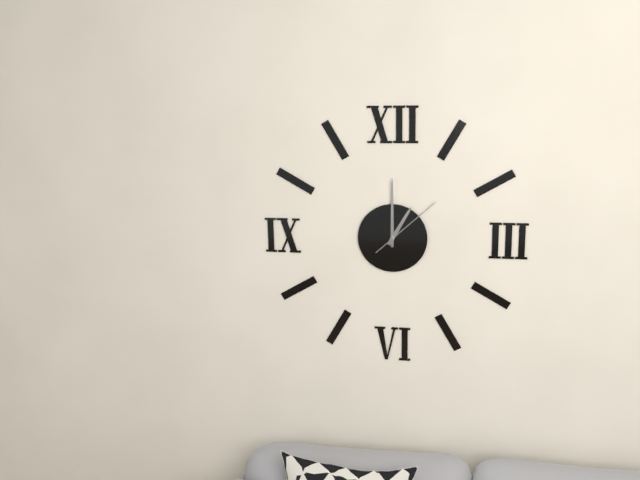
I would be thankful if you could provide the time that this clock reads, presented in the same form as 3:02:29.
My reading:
1:00:08
